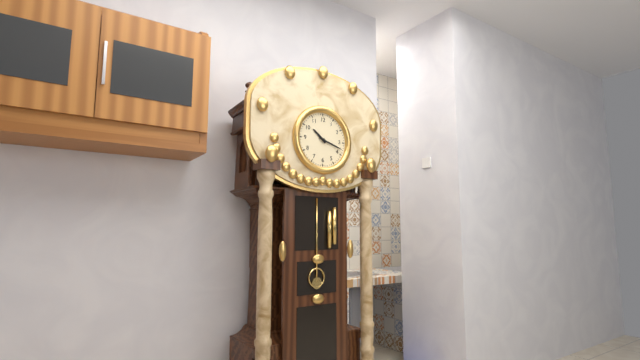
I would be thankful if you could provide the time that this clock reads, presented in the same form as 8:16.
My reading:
10:18
